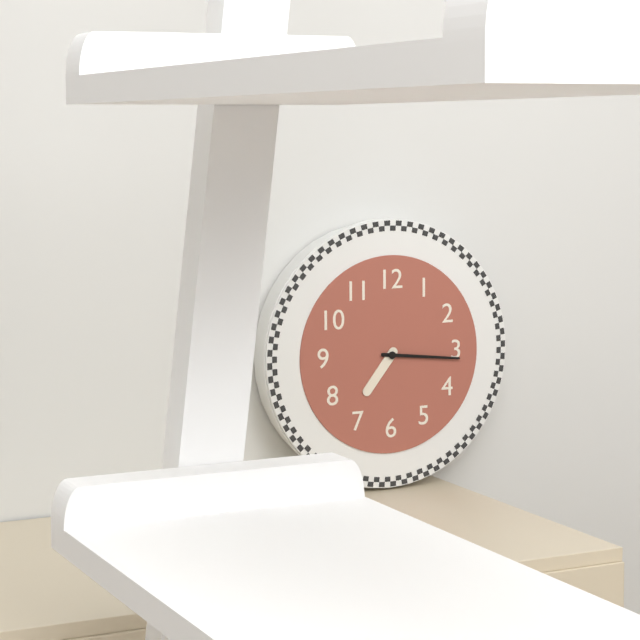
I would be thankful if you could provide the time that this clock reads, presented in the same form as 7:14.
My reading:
7:16
